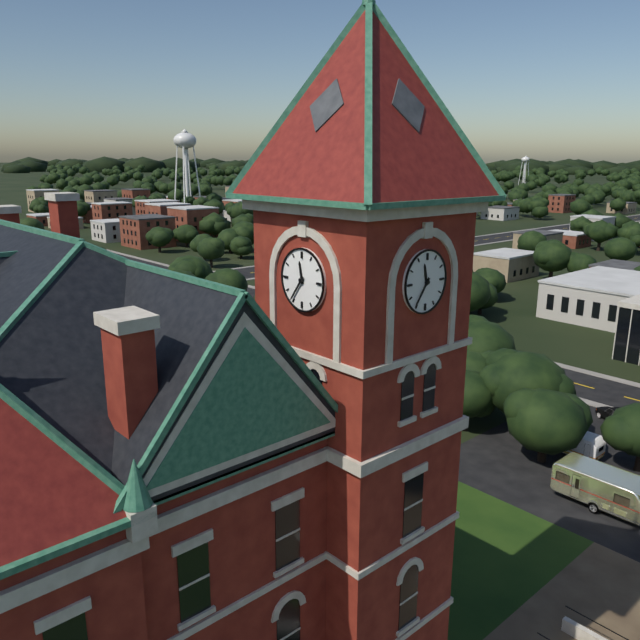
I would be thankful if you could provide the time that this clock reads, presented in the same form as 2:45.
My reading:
11:36
